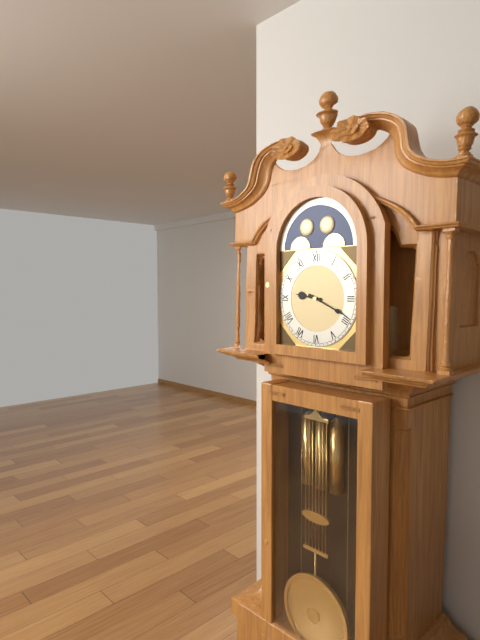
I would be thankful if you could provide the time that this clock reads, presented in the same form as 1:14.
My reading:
9:19
